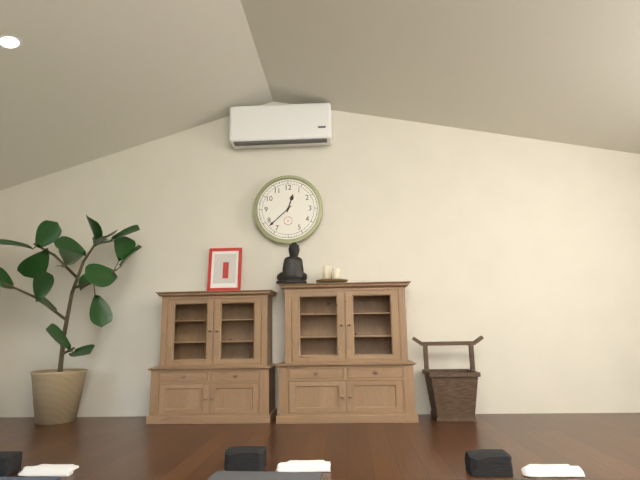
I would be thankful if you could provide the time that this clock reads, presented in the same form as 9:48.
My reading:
12:38
